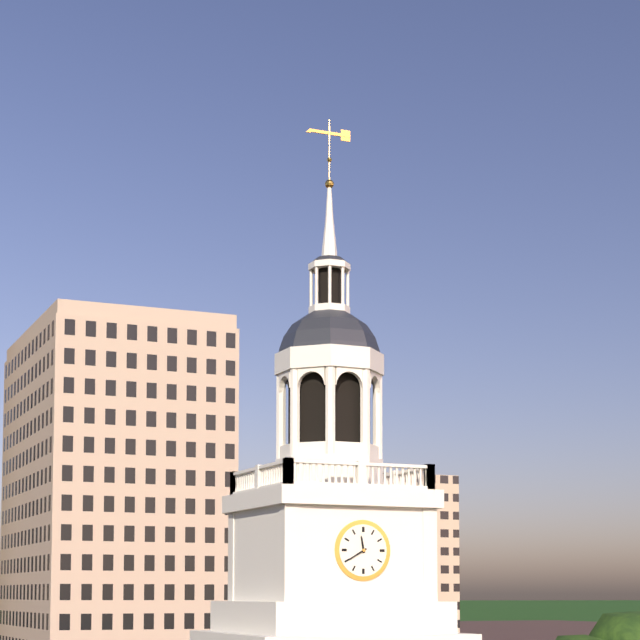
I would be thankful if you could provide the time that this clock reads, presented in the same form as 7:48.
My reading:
11:40
